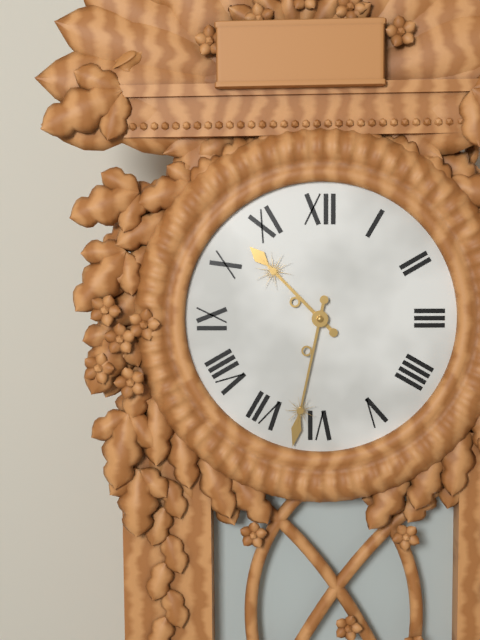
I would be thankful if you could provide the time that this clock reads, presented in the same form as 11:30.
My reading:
10:32
